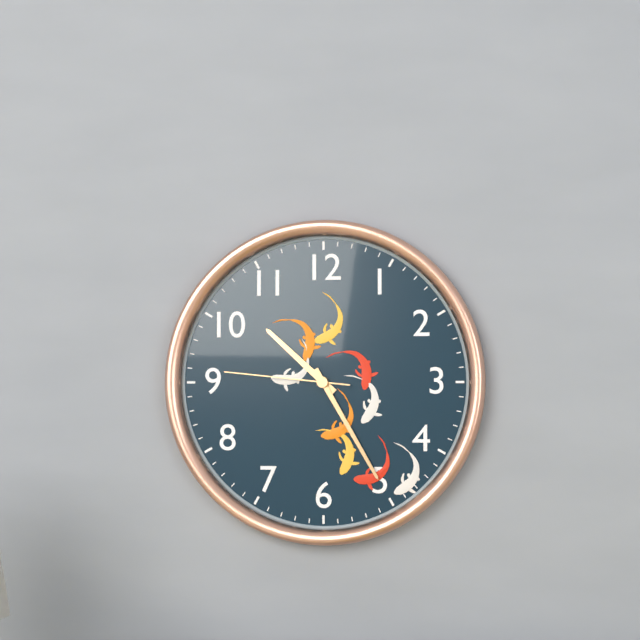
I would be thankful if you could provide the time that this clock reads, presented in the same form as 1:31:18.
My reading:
10:25:46
